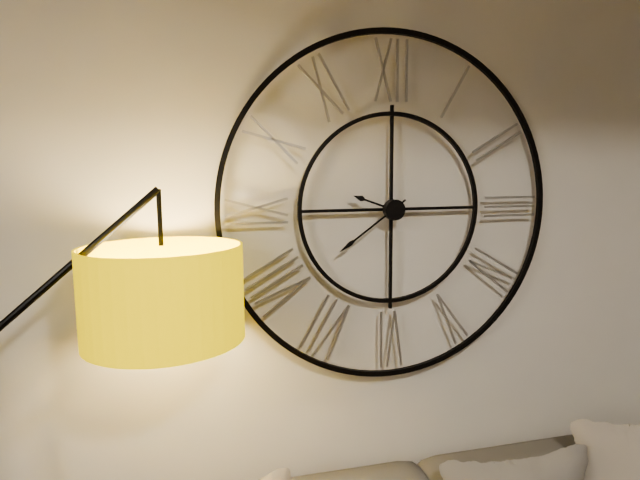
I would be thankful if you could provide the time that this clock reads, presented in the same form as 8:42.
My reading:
9:39
